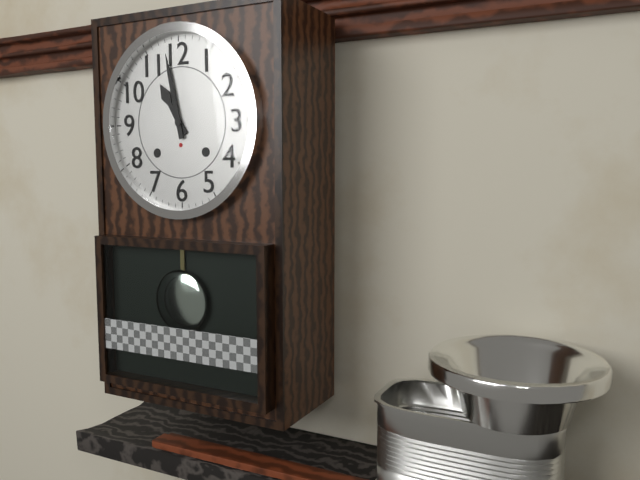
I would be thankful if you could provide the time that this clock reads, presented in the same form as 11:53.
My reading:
10:58
